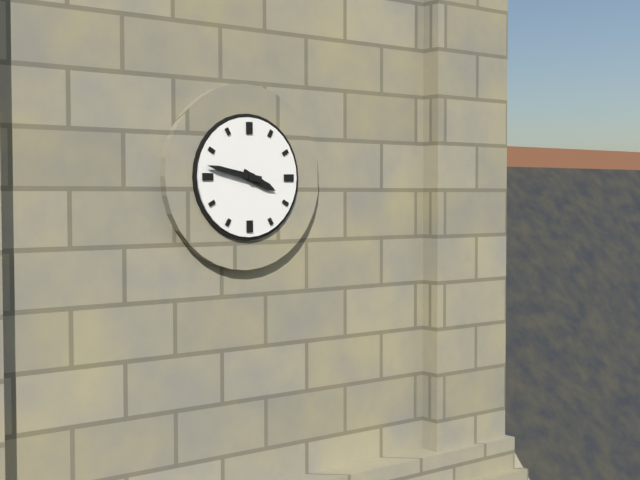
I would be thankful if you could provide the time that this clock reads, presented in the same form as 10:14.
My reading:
3:47
